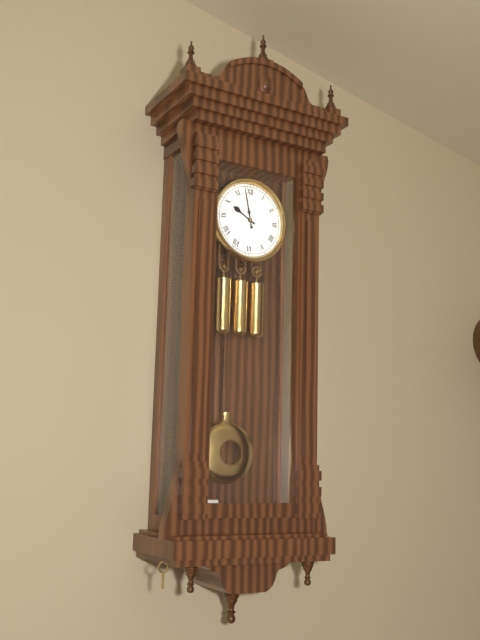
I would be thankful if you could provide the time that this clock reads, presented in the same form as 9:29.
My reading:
9:58
